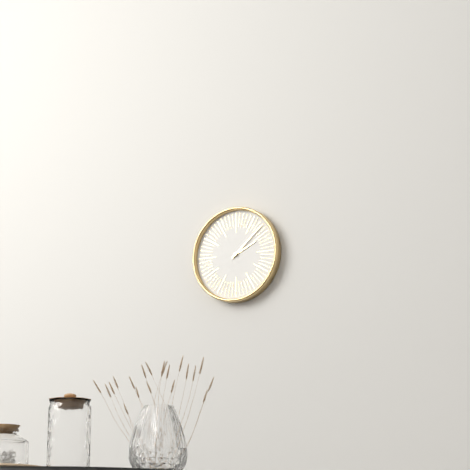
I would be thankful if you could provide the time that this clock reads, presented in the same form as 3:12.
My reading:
2:08
